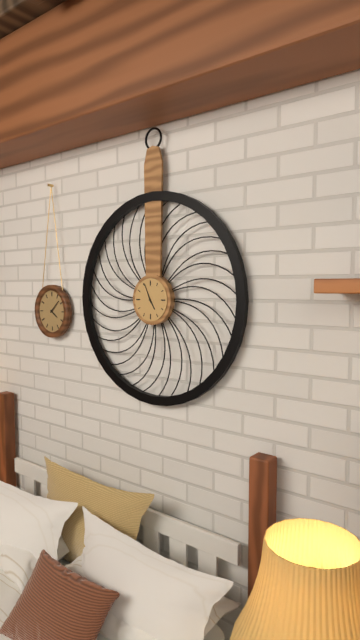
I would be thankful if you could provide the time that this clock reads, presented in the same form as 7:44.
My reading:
4:56
